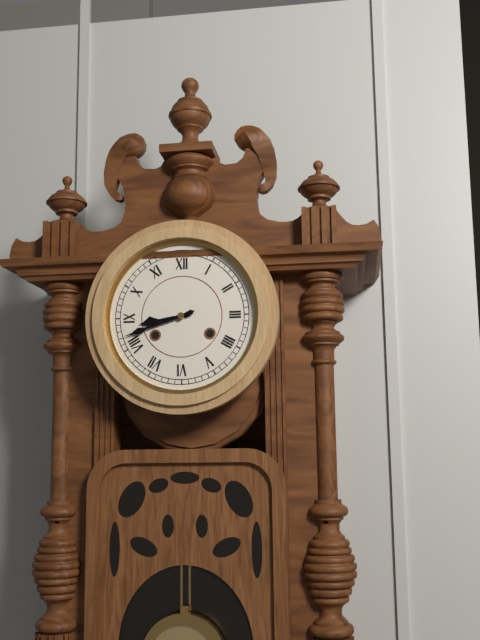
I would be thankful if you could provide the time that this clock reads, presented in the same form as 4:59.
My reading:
8:42
